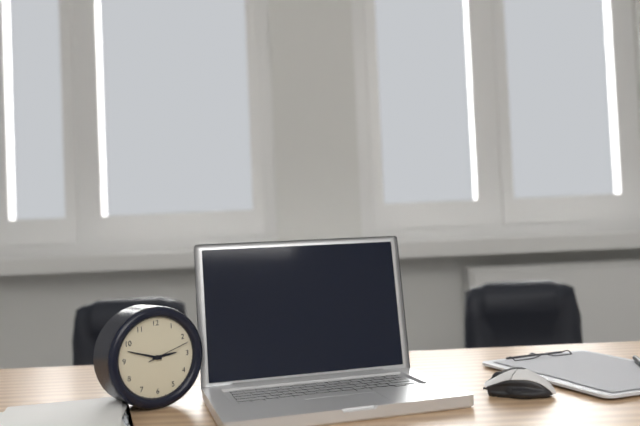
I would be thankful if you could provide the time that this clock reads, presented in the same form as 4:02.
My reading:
2:48
